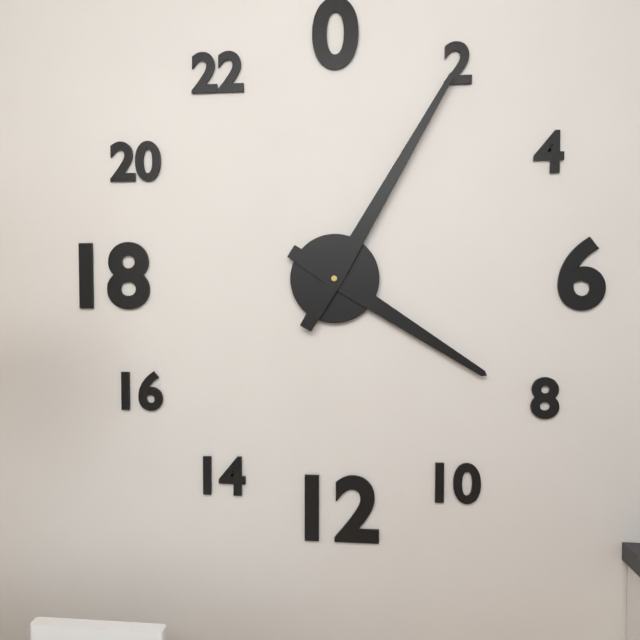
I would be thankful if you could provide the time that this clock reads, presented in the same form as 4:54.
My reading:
4:05
